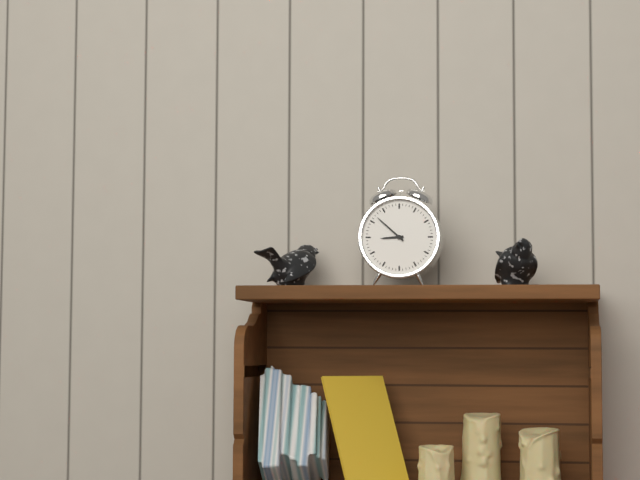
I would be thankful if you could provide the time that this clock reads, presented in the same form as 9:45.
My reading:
8:52
